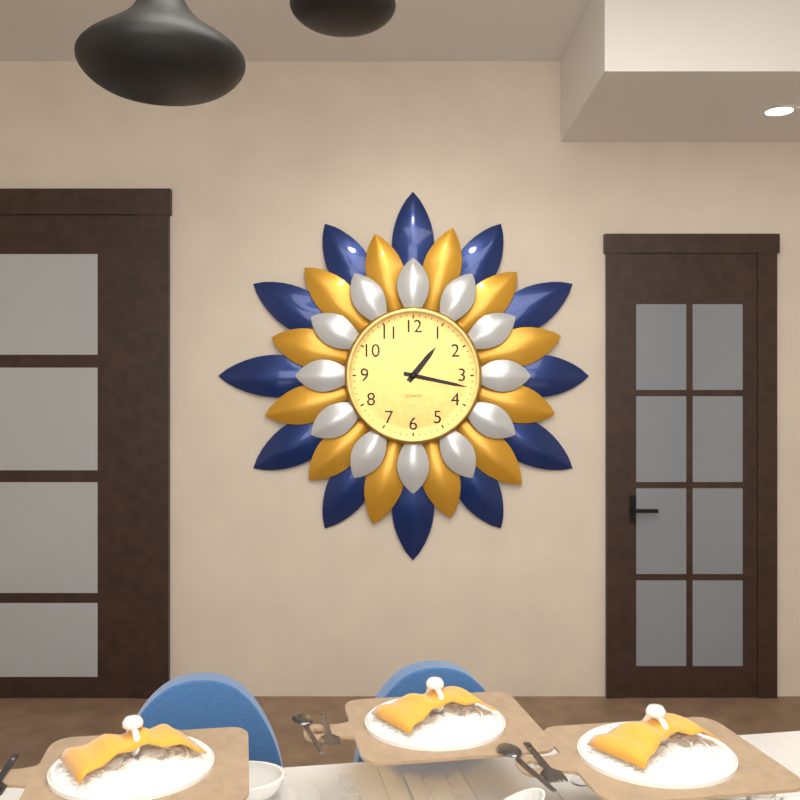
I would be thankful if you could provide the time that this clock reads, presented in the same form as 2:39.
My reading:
1:17
